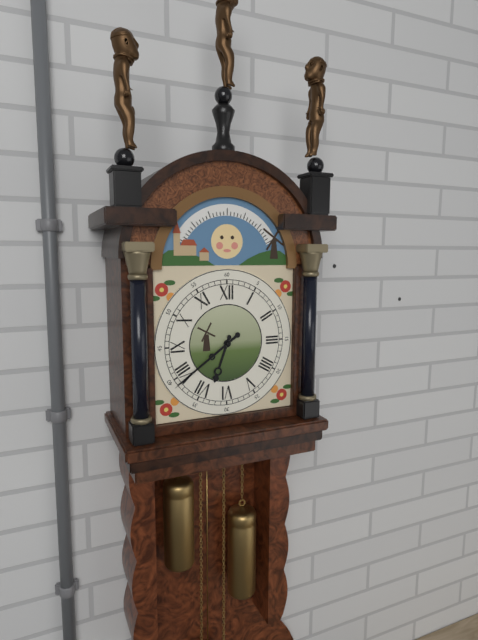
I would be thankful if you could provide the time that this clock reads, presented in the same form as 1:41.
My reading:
6:39
